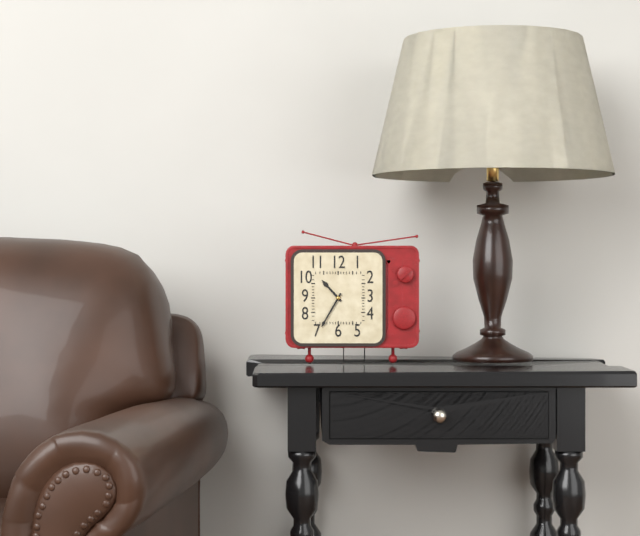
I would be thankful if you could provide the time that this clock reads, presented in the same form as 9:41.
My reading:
10:35
